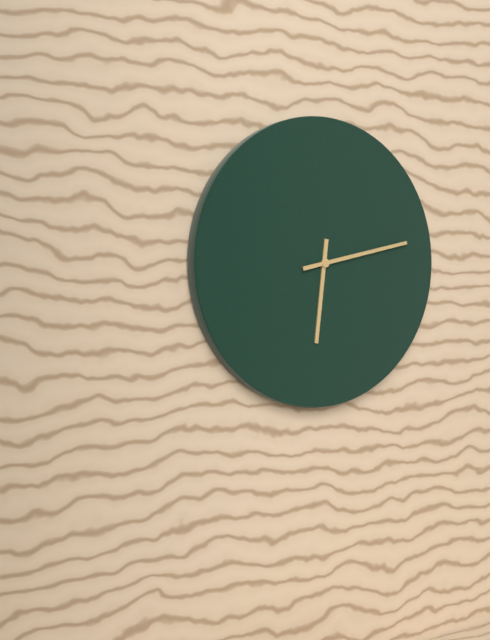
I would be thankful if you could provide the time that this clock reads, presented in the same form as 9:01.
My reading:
6:13
